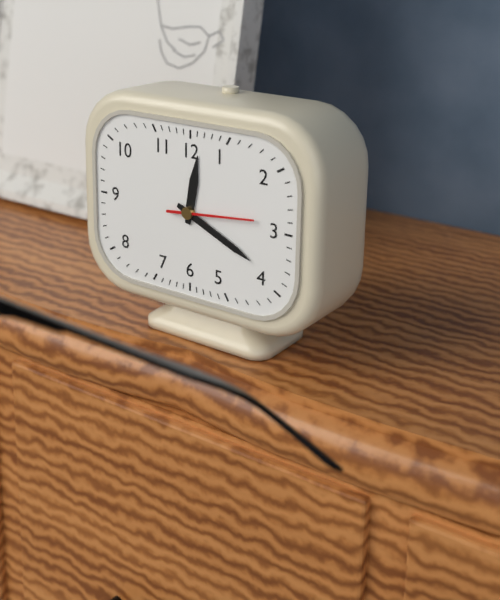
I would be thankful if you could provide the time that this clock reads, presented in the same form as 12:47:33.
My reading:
12:19:14
